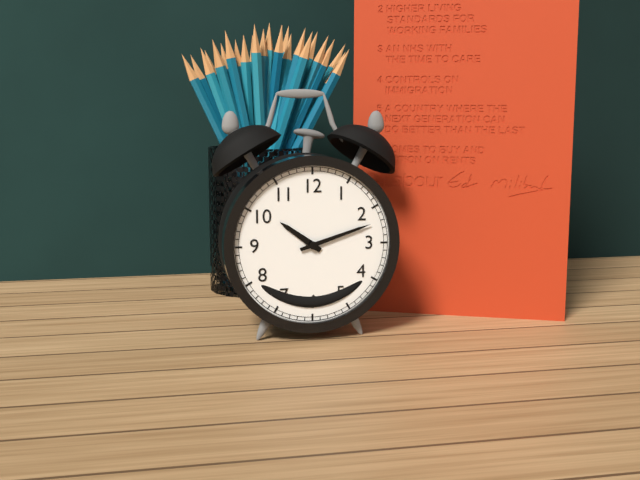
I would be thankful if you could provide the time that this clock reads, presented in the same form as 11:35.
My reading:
10:12
